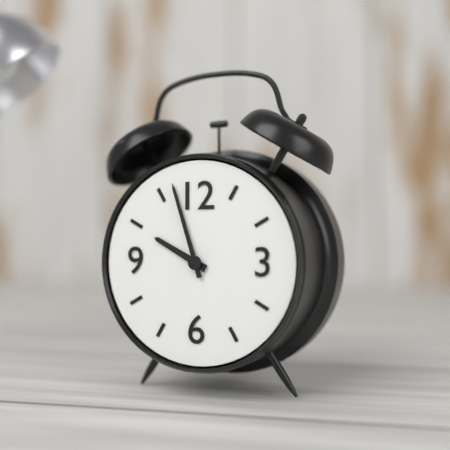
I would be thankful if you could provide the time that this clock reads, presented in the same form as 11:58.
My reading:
9:57
